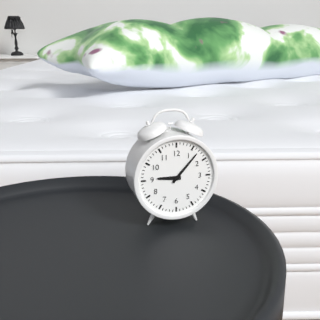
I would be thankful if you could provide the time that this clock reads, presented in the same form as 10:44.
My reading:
9:07
